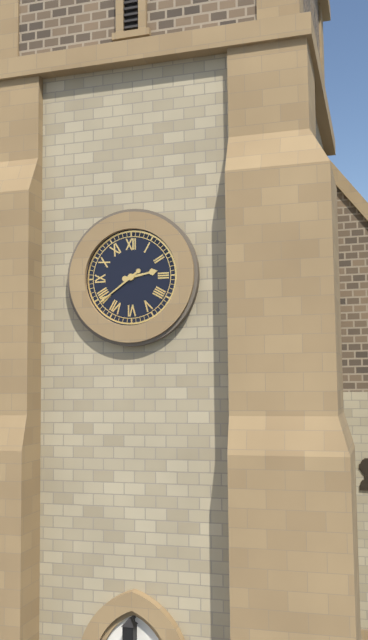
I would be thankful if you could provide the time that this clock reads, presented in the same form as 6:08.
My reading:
2:39
